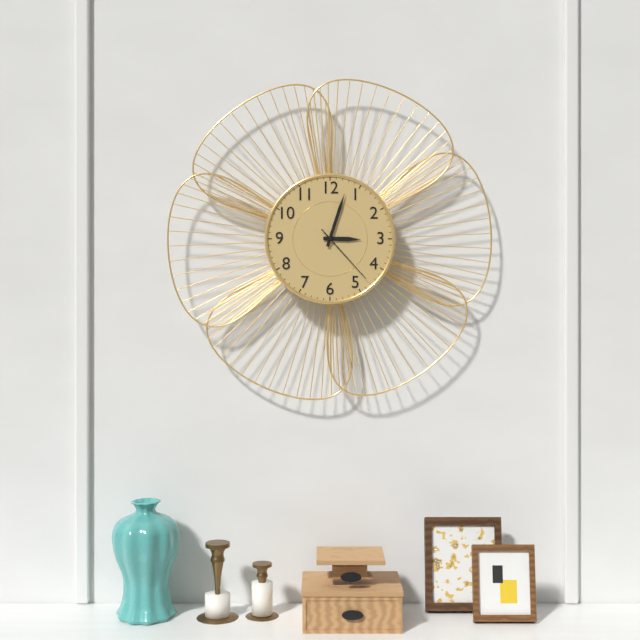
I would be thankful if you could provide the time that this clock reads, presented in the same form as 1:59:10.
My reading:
3:03:23
